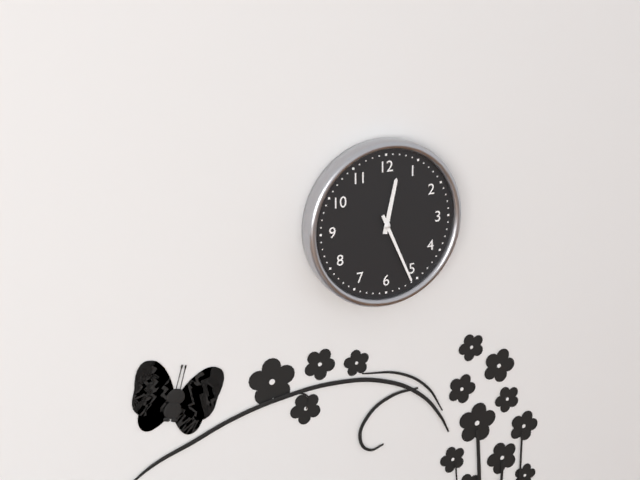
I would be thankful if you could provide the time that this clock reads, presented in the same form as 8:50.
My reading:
12:26
